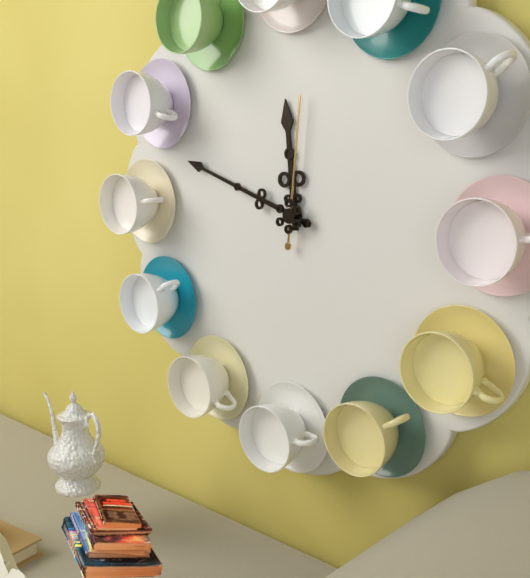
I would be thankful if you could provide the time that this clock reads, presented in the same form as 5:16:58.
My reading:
11:48:01
